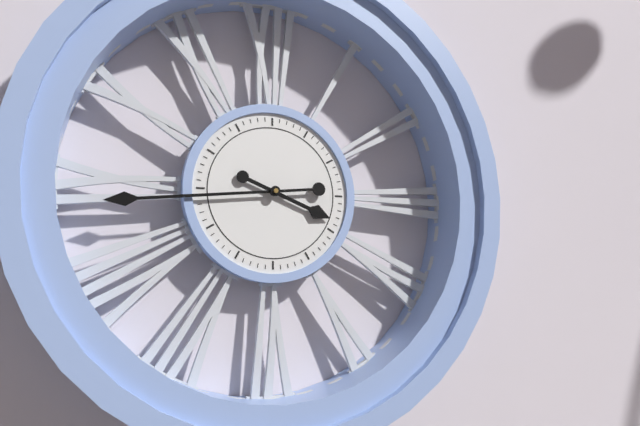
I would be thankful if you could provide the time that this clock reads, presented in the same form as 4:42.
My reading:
3:44
